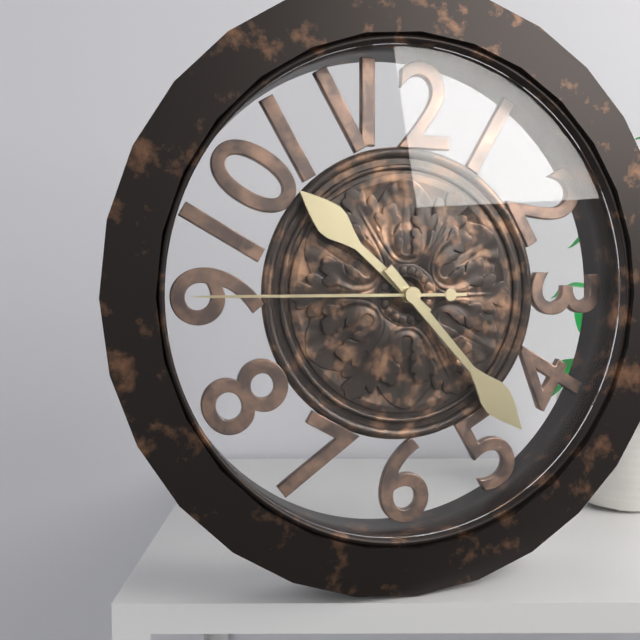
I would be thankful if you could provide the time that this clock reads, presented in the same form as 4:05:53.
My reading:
10:23:45
